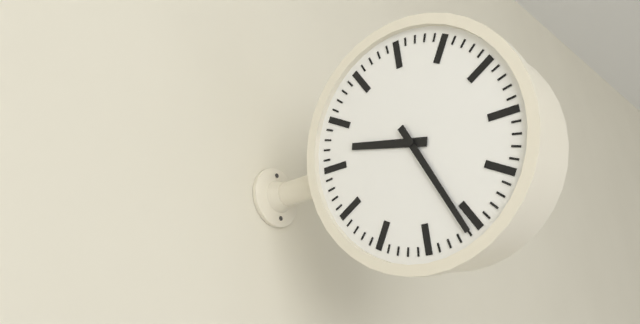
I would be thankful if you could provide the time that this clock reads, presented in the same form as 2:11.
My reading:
9:26
